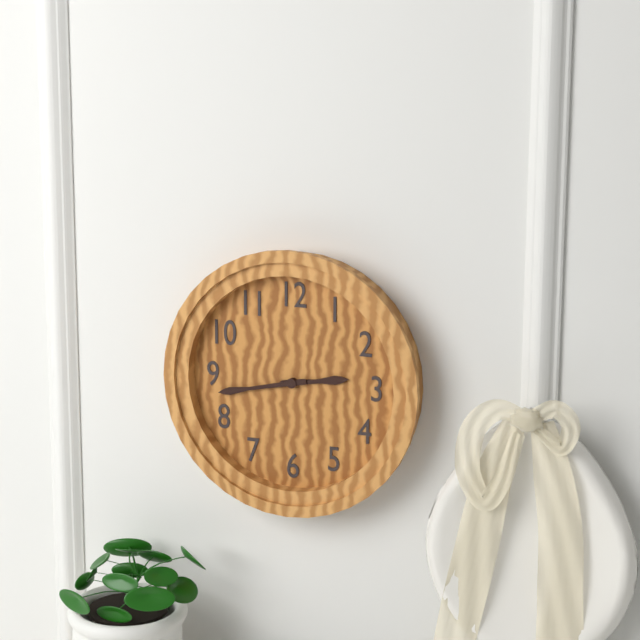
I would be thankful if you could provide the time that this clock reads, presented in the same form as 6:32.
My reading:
2:43
